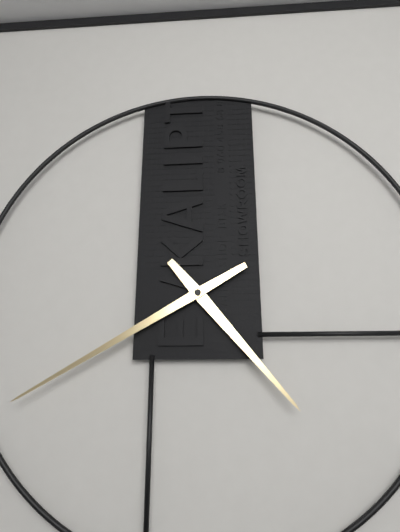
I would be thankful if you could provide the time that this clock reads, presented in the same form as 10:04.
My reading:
4:40
